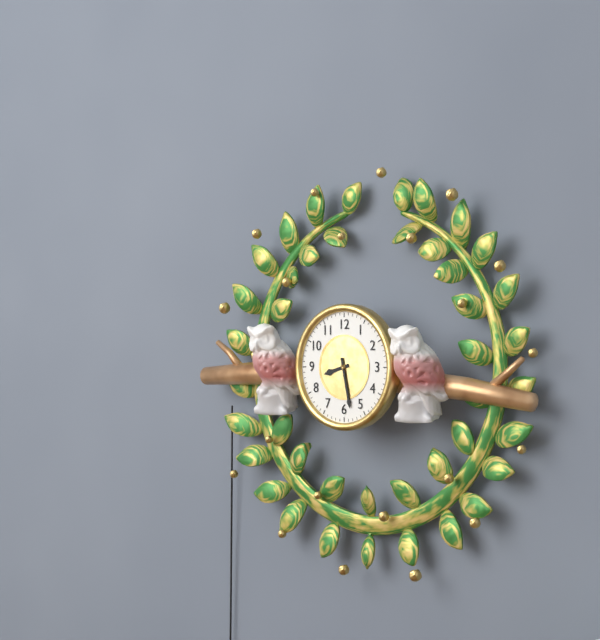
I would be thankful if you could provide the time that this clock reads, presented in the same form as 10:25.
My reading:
8:28
